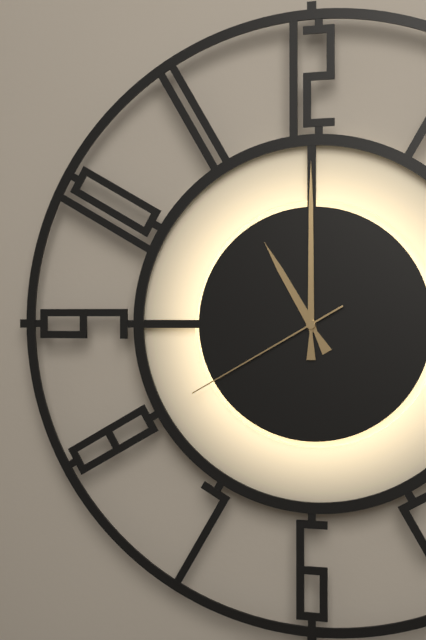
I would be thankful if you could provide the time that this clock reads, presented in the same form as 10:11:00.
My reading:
11:00:40
